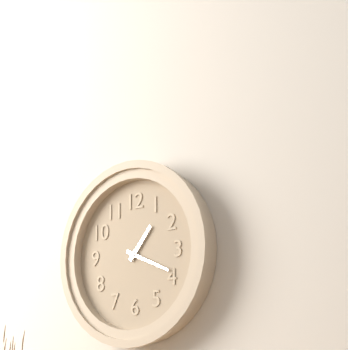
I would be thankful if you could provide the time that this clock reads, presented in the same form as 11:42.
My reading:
1:19
